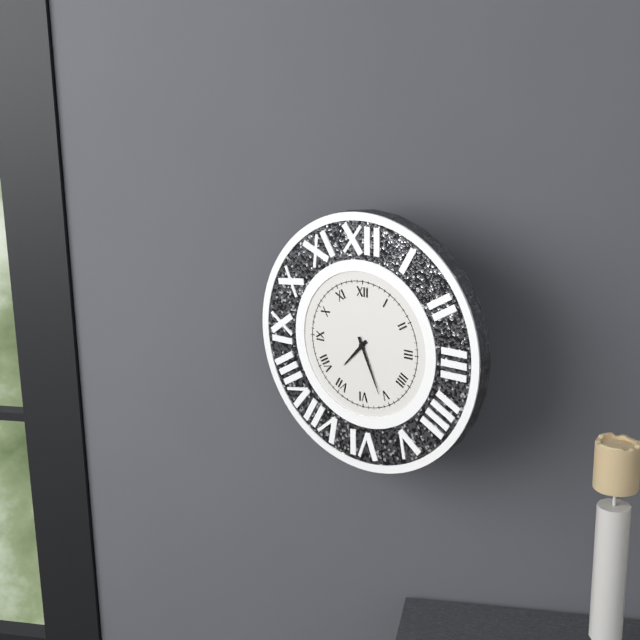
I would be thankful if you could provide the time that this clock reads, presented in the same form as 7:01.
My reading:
7:26
